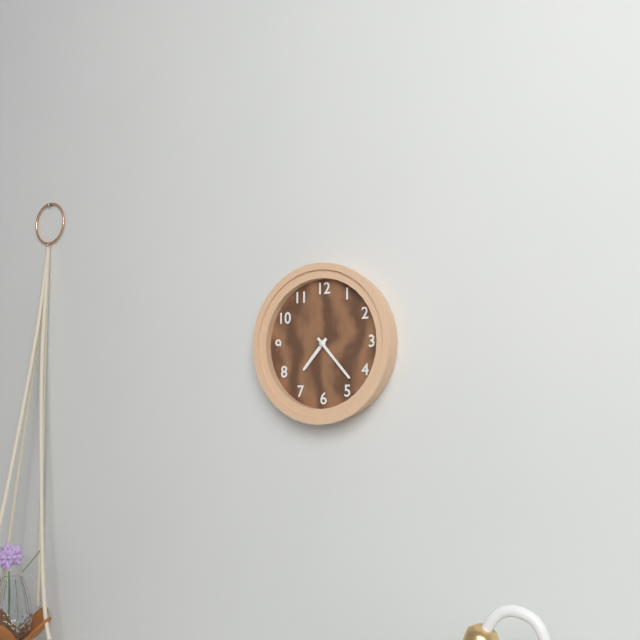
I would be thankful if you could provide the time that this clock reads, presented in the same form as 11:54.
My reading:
7:23
